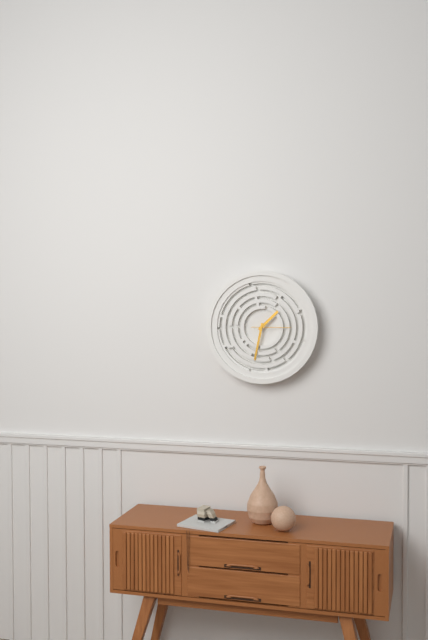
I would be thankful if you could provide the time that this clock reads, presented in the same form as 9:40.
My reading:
1:32
